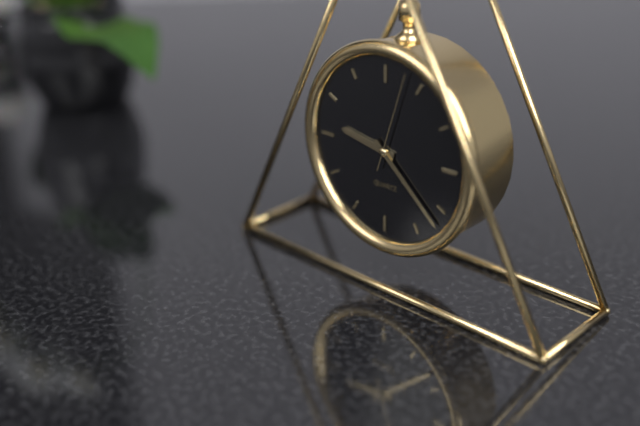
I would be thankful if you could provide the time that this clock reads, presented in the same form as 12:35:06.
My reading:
9:22:03
